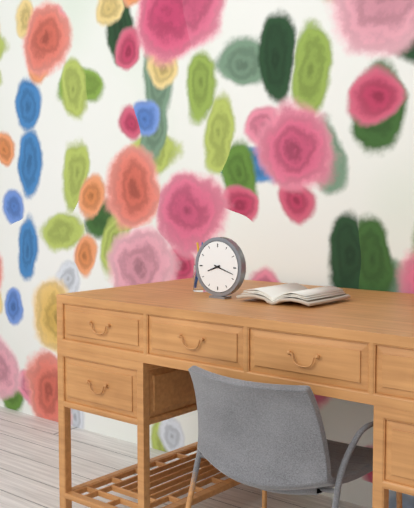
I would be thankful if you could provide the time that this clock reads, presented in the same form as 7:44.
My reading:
8:18
